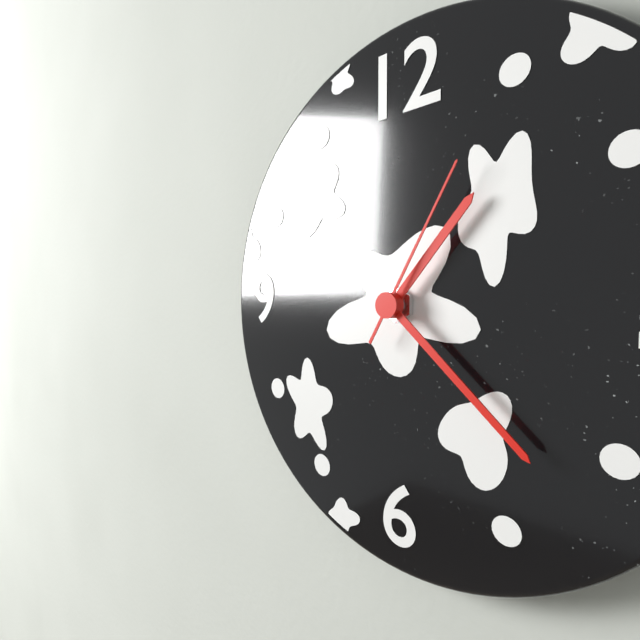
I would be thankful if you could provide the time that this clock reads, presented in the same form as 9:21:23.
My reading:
1:22:05
